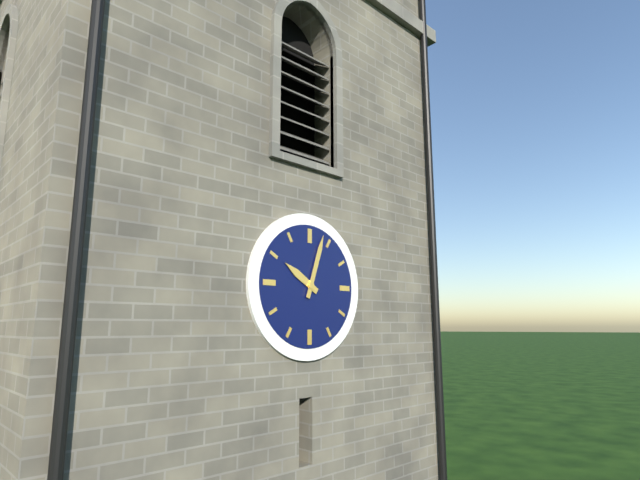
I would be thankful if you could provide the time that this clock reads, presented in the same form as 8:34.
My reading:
10:03
